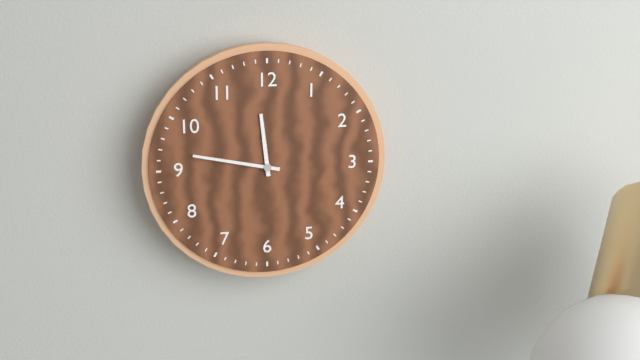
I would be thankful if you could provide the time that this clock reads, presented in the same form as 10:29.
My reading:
11:47
